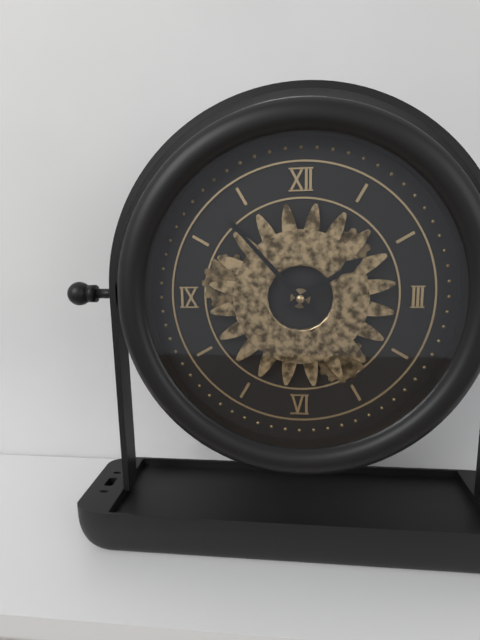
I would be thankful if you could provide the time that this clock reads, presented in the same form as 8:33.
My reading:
1:53
